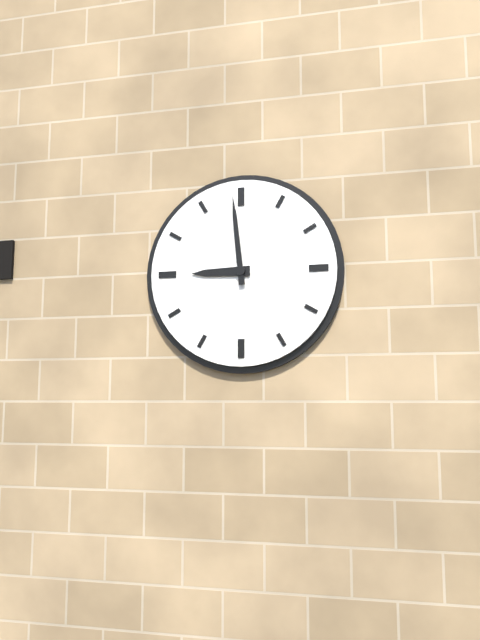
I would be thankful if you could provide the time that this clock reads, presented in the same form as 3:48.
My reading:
8:59
